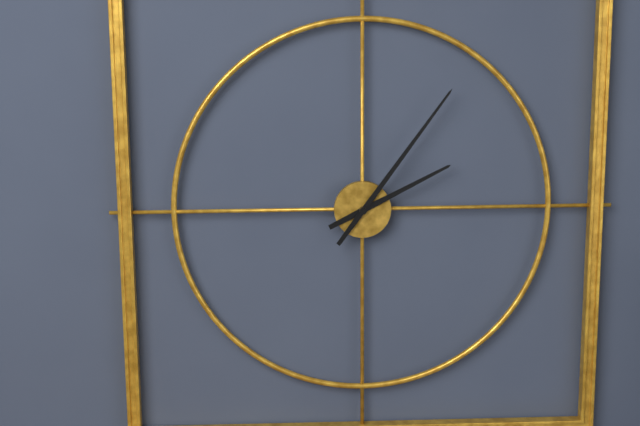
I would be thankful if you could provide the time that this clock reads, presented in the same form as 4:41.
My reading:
2:06
